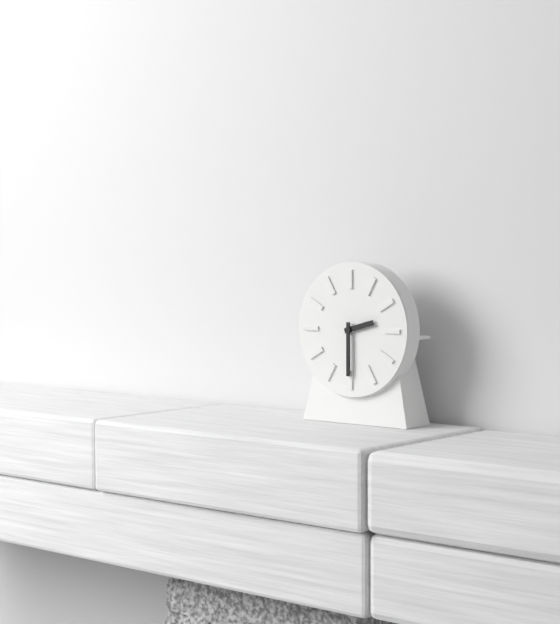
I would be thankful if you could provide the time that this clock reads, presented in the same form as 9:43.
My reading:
2:30
